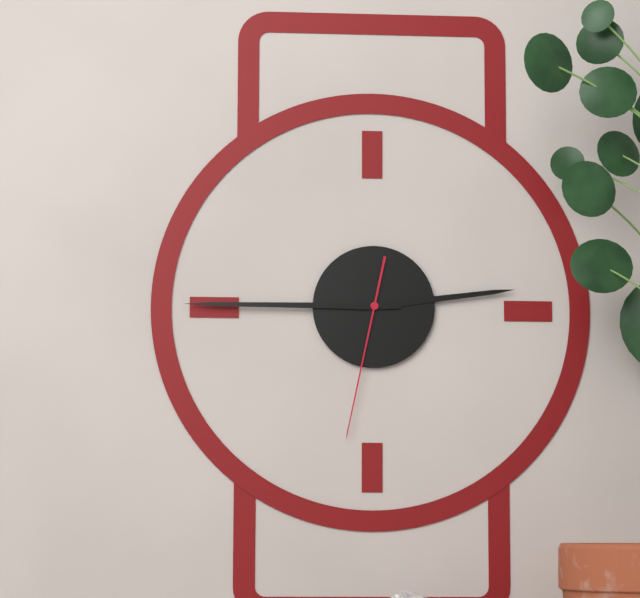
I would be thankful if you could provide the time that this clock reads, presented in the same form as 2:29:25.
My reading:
2:45:32
